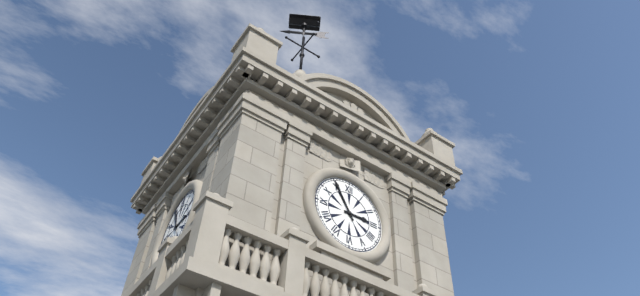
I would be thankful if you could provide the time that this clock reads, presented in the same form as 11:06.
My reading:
2:55
